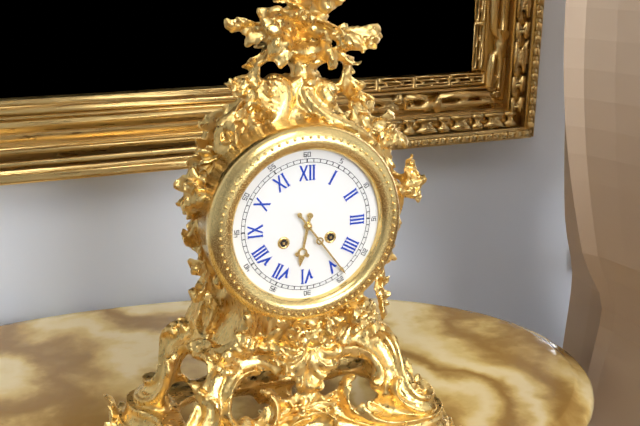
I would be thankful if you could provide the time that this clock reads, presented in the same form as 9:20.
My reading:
6:24
